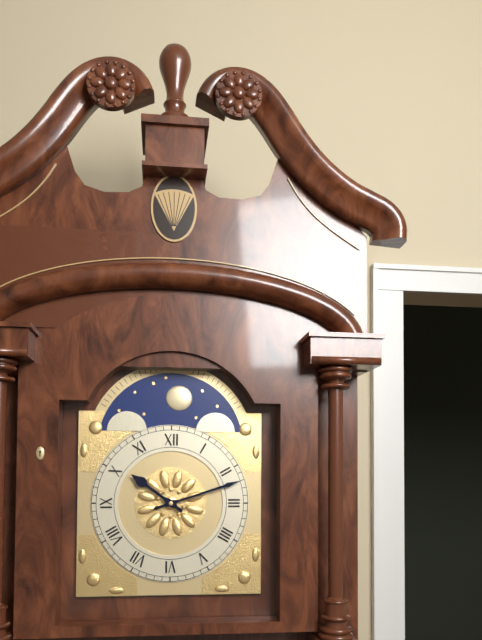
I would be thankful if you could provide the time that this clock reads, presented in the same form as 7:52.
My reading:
10:12
